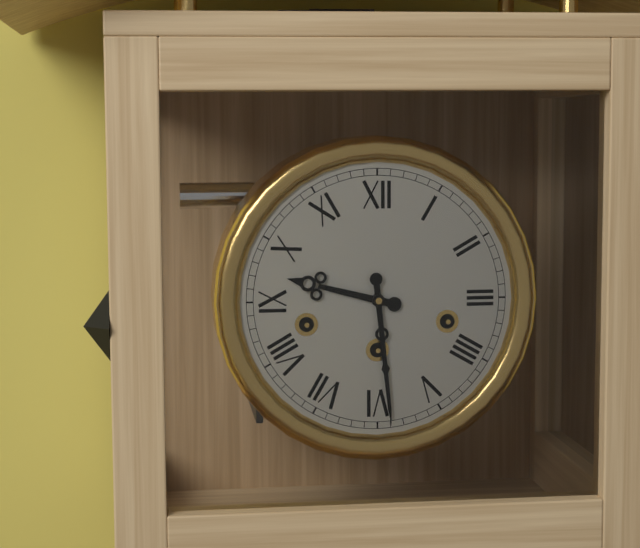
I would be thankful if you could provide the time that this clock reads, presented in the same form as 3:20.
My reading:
9:29
